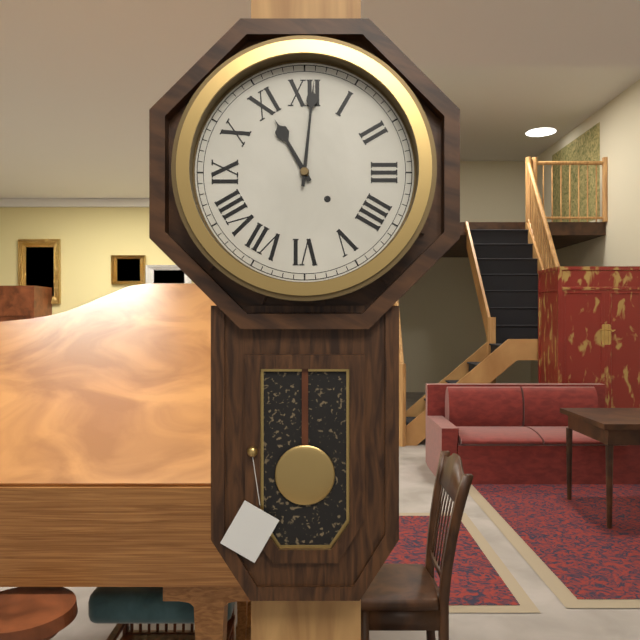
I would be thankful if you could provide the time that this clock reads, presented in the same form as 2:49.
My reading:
11:01
